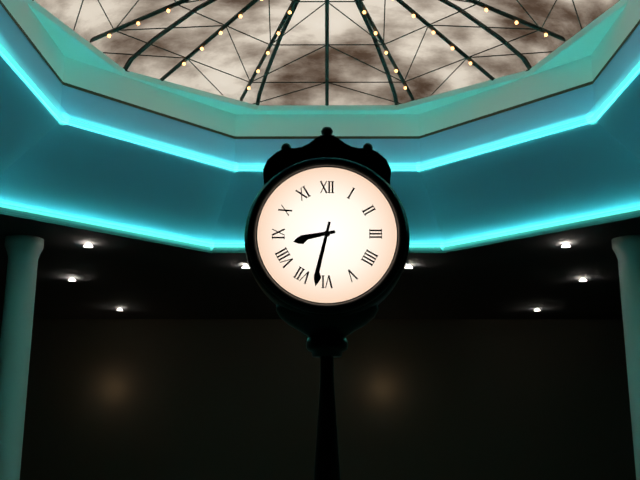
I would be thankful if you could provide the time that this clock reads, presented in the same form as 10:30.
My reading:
8:32
